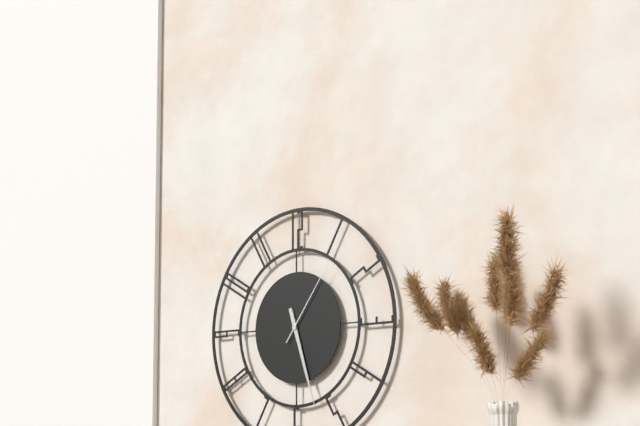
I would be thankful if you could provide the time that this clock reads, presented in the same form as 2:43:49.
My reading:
5:27:06
